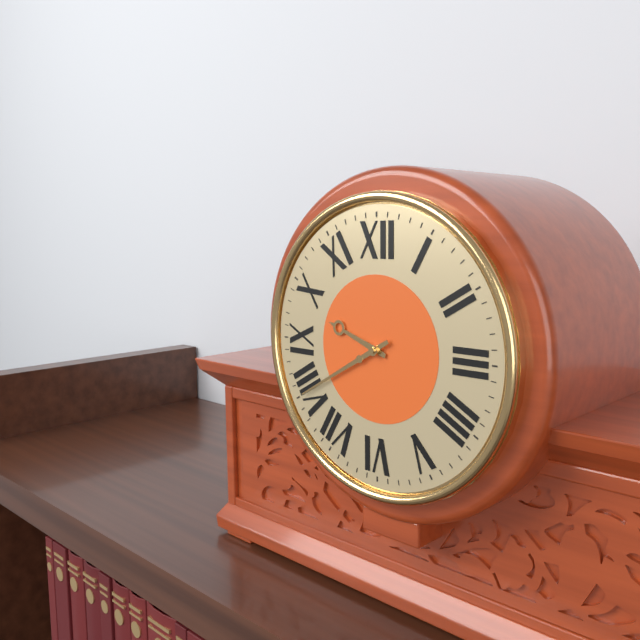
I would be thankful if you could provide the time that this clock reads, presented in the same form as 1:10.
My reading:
9:40
